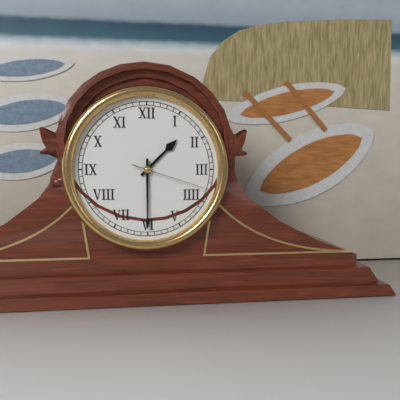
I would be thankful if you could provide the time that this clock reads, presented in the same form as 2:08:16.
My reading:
1:30:18
